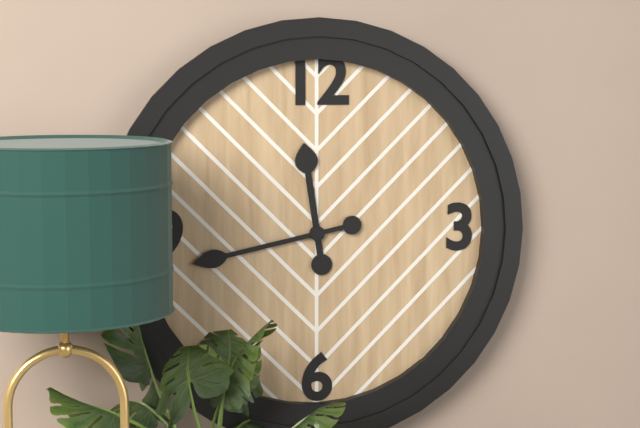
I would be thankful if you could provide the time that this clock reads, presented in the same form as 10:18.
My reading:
11:43
